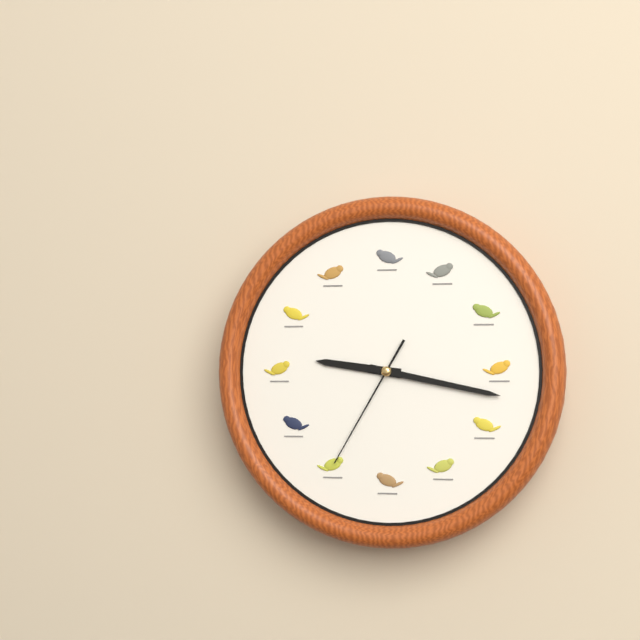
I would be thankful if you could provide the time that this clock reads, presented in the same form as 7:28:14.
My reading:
9:17:35
